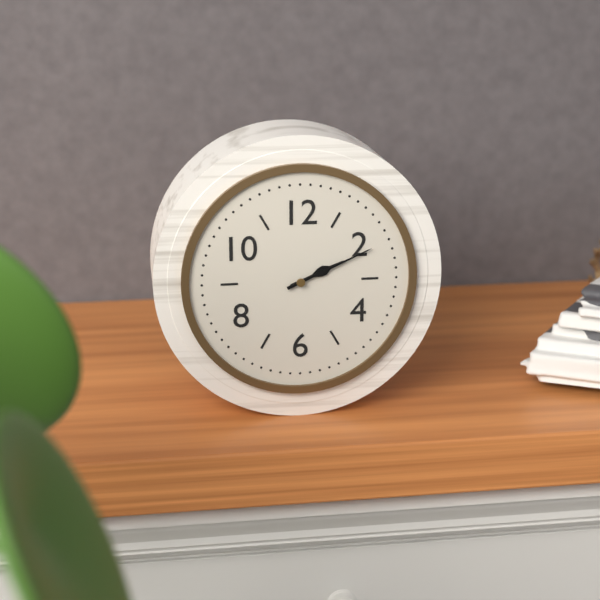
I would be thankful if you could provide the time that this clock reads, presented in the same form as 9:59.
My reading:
2:11
